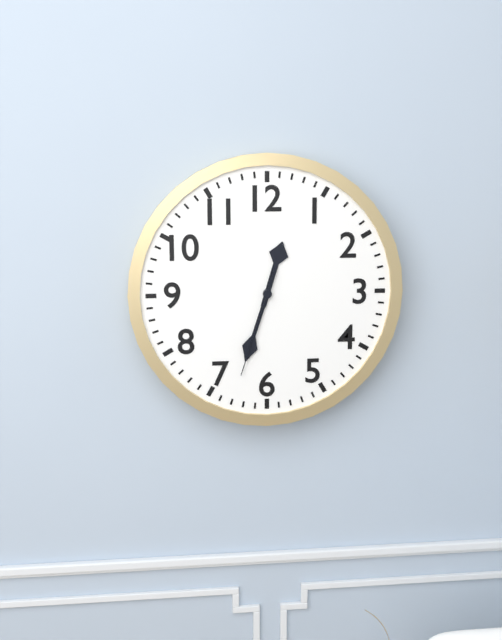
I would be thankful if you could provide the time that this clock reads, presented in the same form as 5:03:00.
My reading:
12:33:33
